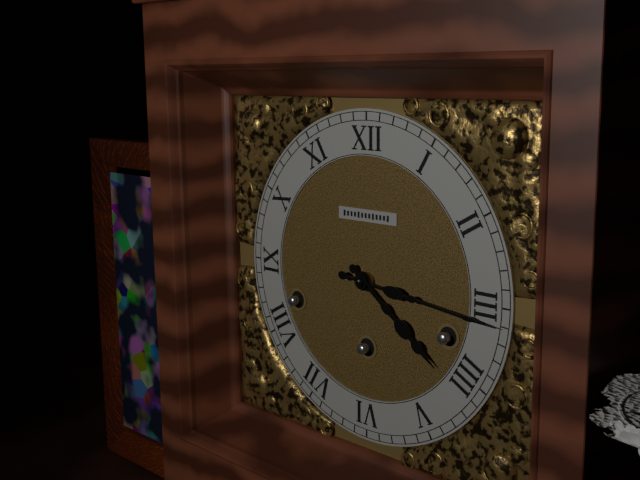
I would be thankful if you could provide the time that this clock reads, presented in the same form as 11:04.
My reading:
4:16
